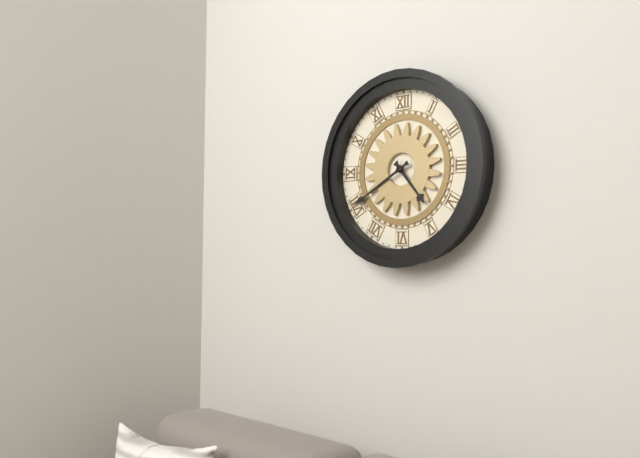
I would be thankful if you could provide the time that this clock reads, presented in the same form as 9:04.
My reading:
4:40
